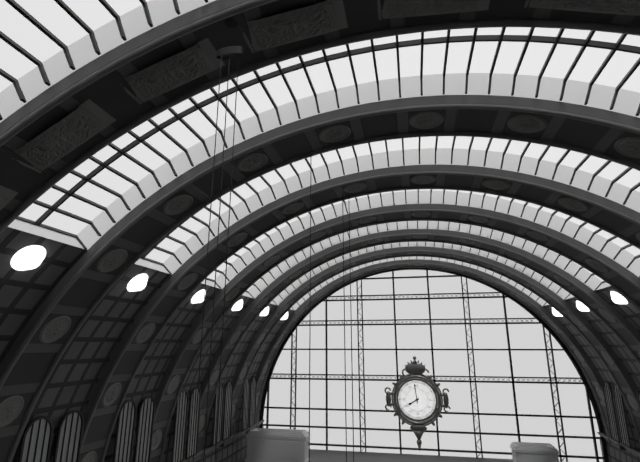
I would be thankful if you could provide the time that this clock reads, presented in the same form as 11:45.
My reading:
7:59
